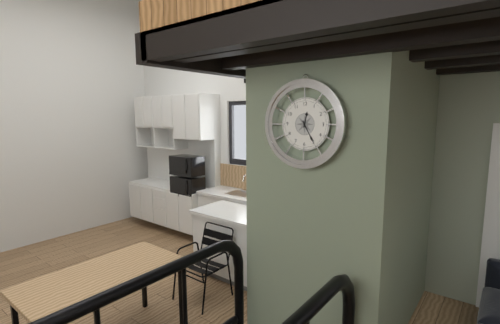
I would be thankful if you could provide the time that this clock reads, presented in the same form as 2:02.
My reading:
12:25
